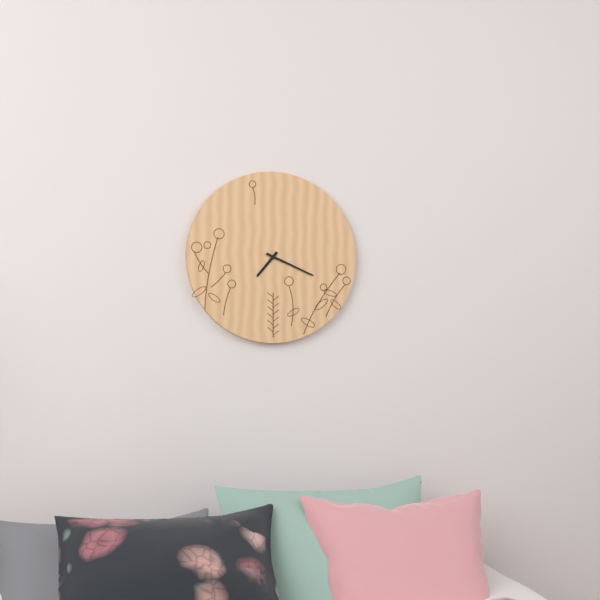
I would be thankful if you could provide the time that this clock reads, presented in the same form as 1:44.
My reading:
7:19
